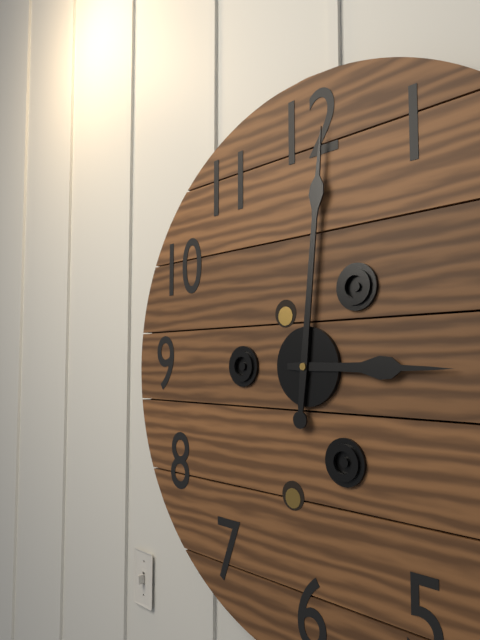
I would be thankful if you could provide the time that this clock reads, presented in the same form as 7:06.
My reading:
3:01
